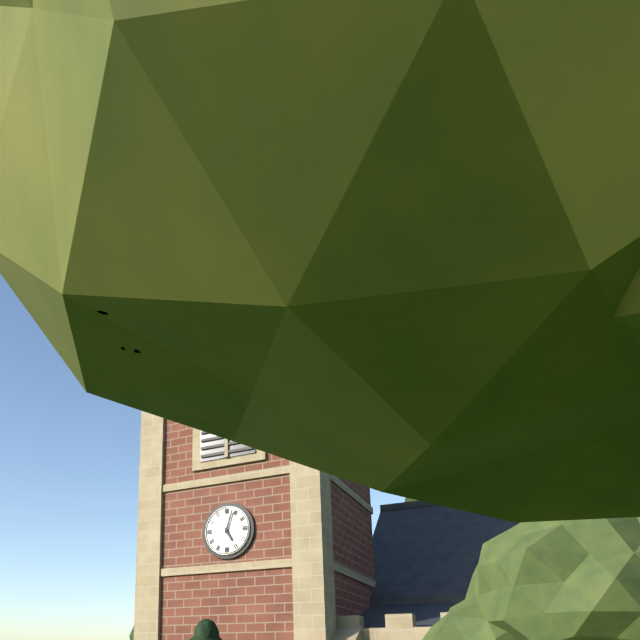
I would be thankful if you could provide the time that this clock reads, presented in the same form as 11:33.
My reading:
5:03
